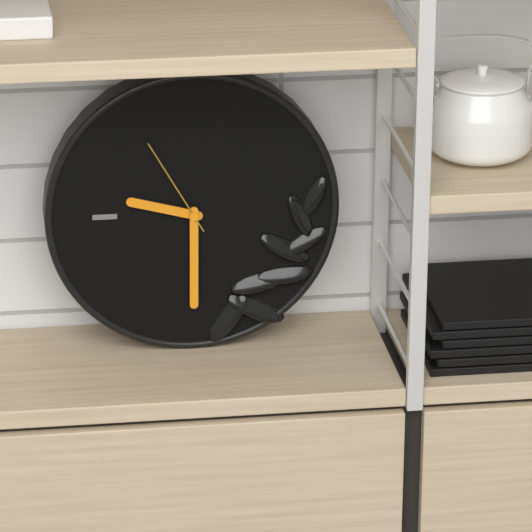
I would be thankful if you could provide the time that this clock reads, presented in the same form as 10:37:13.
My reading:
9:30:55
